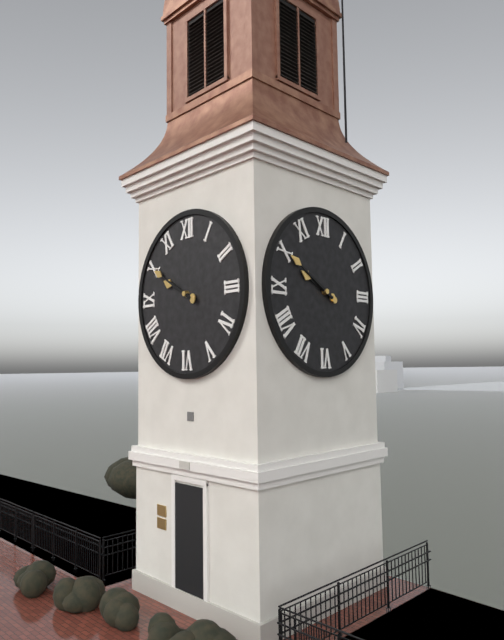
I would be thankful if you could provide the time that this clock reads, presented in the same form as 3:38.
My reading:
9:50
